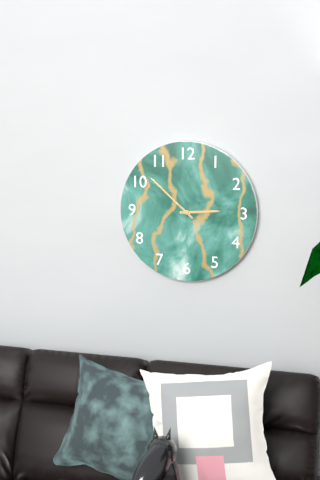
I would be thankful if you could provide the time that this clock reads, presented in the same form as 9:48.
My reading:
2:52
